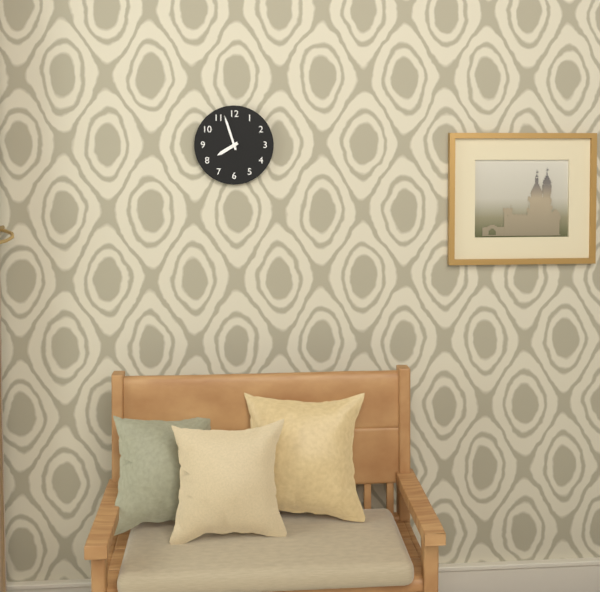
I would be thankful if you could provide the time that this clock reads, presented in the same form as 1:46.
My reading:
7:57
